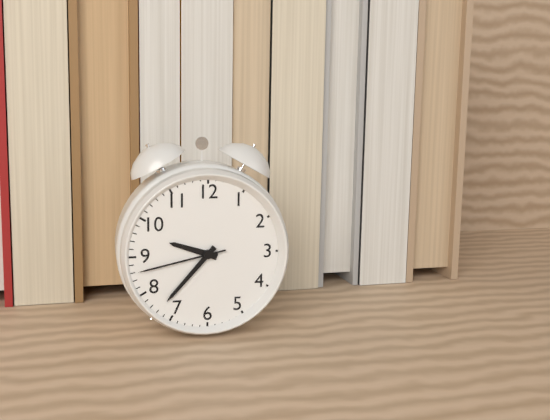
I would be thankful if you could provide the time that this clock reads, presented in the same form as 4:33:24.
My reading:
9:37:43
